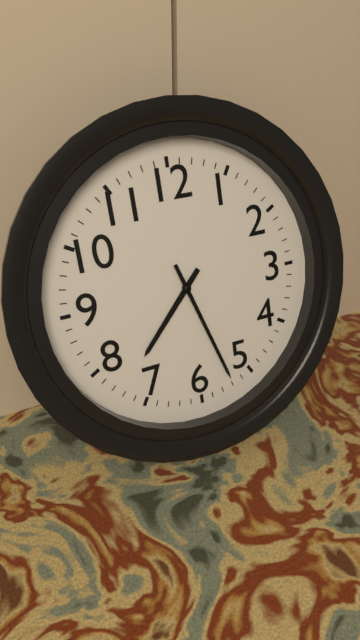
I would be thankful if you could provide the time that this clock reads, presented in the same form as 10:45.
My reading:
7:27
